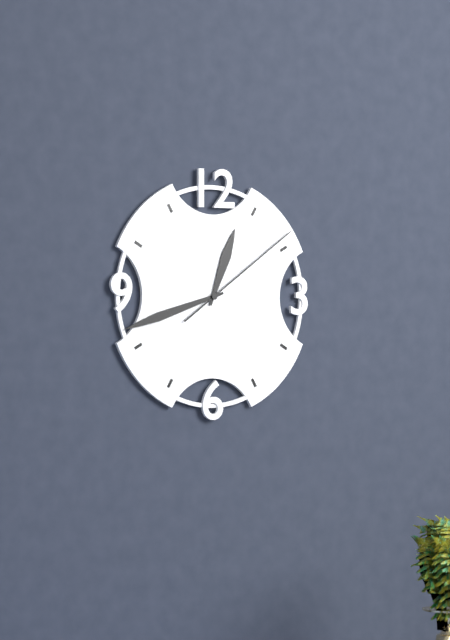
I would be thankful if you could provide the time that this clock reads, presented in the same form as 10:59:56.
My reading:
12:42:09
